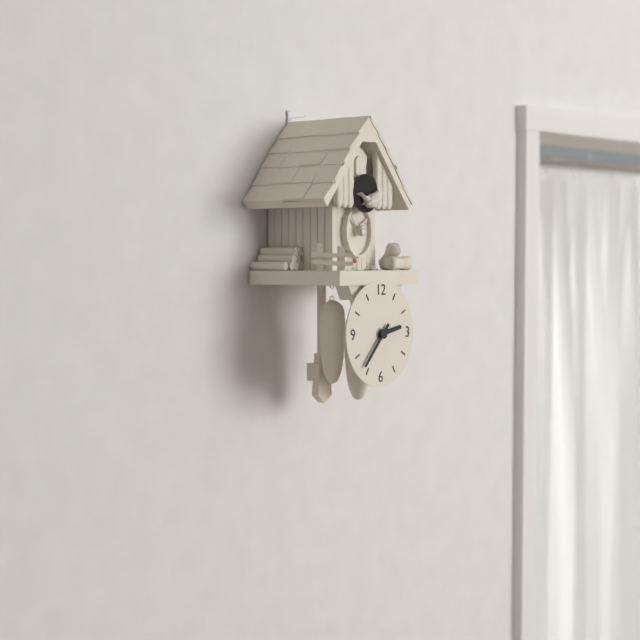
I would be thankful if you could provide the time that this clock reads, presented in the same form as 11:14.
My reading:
2:37
